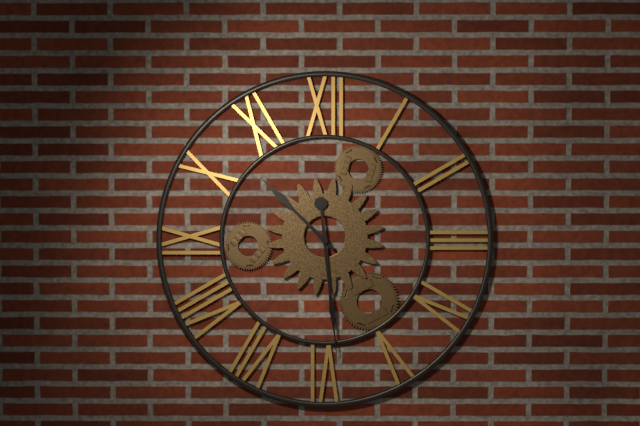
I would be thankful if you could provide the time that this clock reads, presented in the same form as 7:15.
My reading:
10:29
